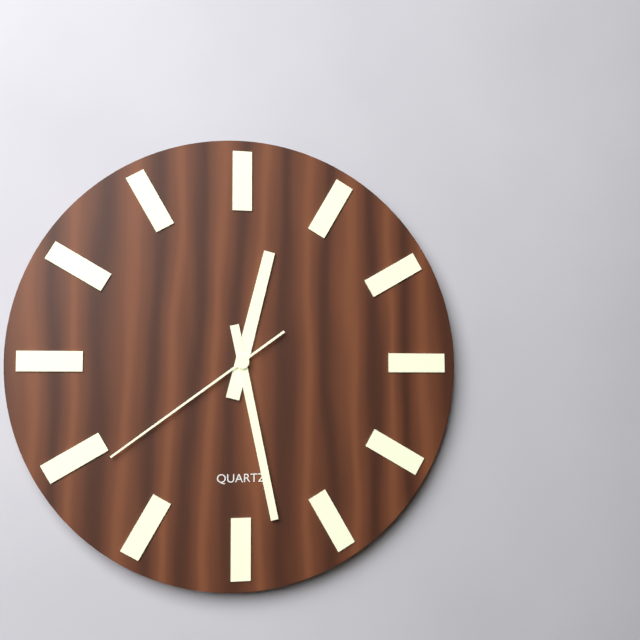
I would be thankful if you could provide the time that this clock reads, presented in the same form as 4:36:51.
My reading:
12:28:39
